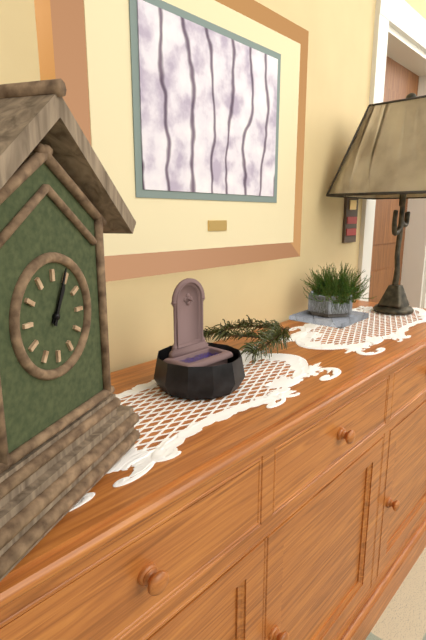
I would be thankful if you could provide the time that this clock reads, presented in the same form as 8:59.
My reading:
1:04
